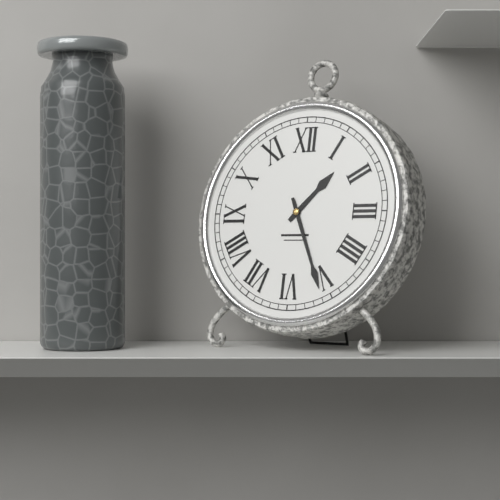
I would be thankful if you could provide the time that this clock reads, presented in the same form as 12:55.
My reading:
1:26
